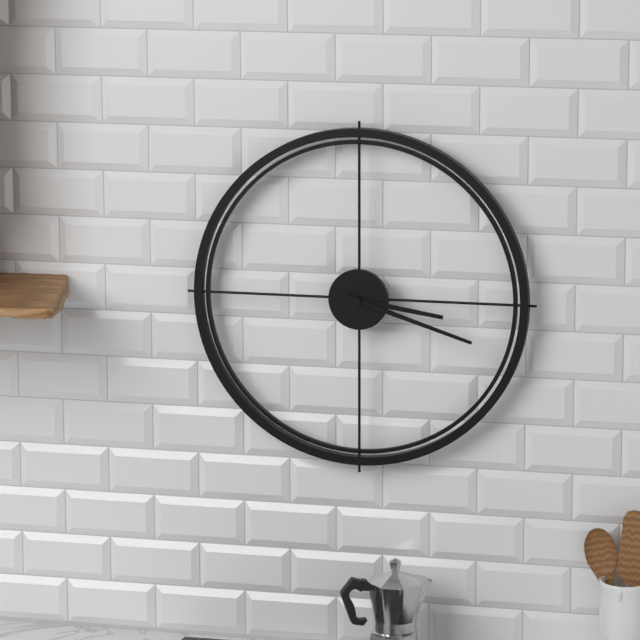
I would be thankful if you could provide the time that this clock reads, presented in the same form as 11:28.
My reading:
3:18
